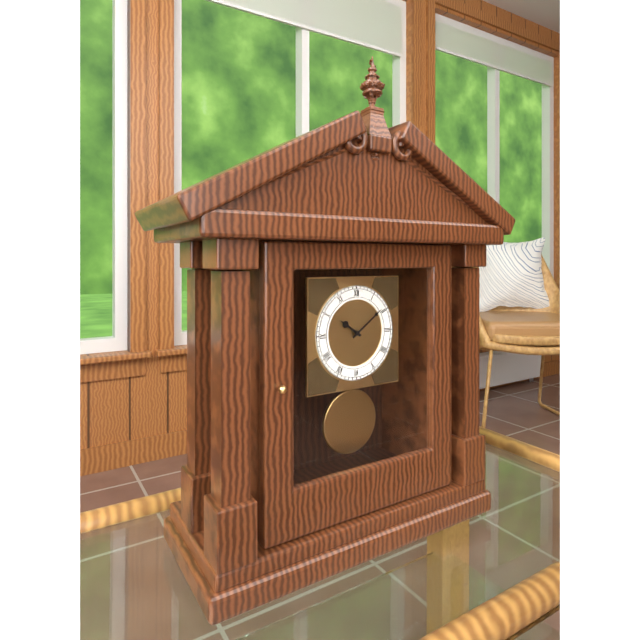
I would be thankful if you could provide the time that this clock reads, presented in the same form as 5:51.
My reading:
10:09
